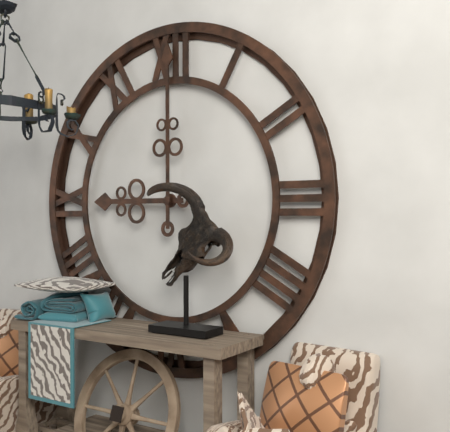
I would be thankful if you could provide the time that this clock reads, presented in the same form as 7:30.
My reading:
9:00
